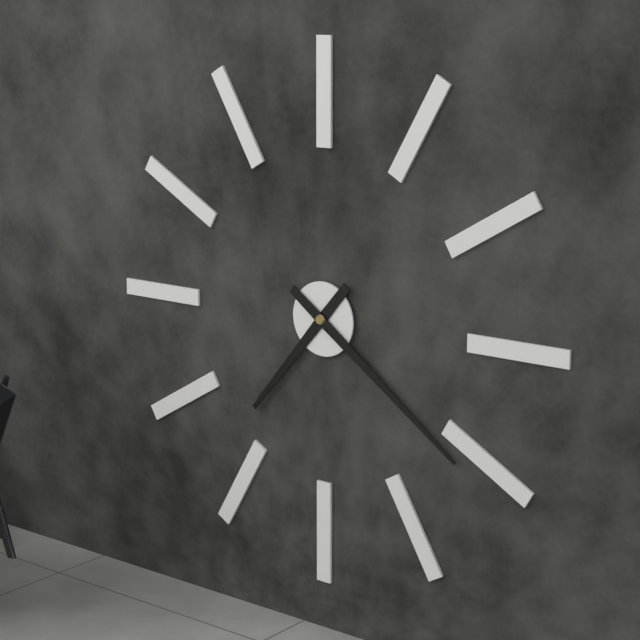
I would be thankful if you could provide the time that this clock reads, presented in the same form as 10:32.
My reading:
7:21
